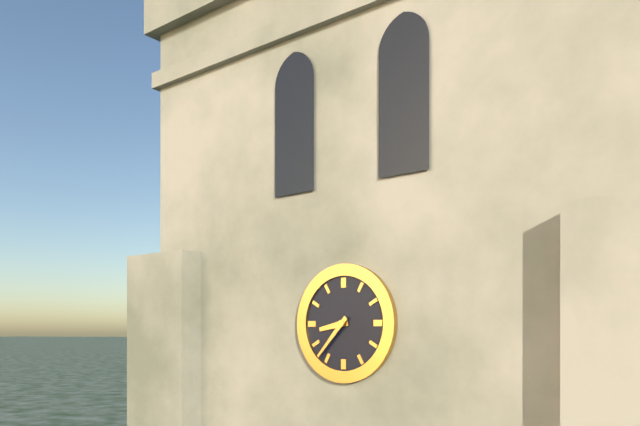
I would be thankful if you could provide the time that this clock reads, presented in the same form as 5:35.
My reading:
8:37
